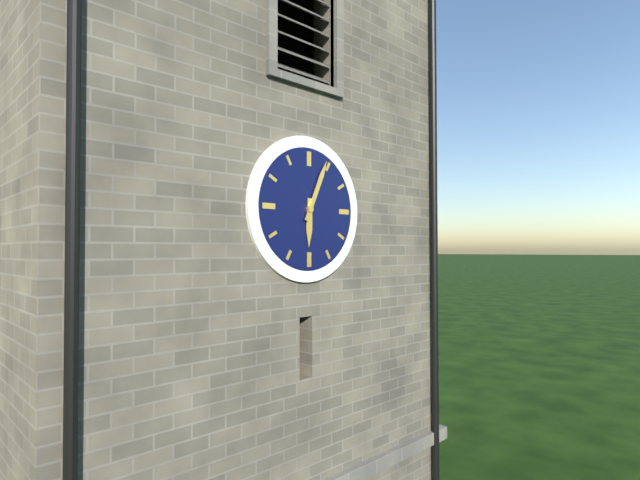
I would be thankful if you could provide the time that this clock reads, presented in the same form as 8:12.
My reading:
6:04
